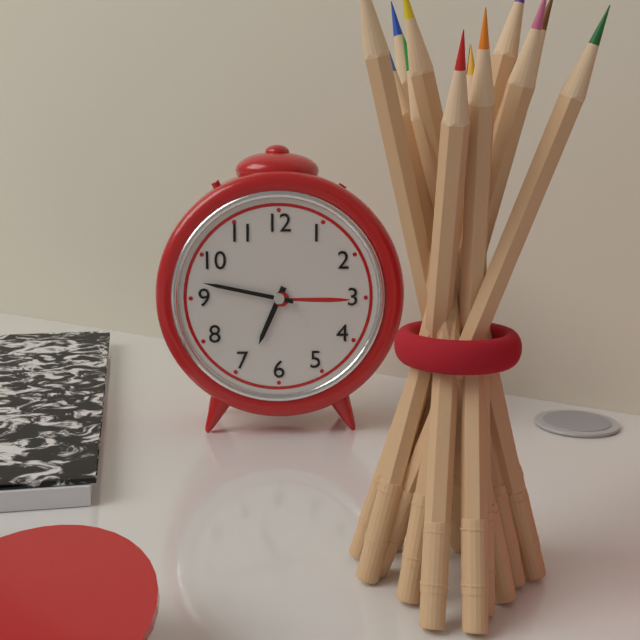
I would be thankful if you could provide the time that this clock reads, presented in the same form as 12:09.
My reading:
6:47
